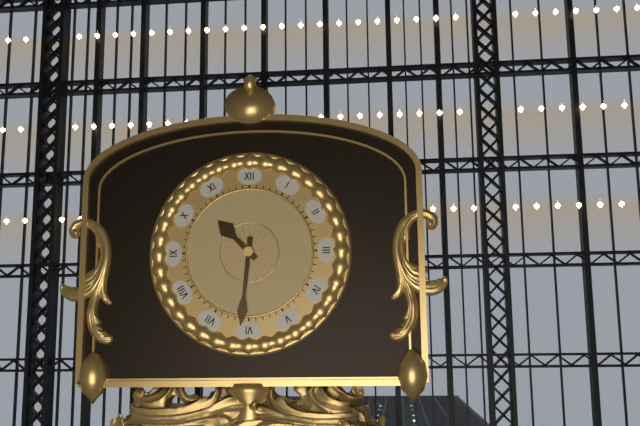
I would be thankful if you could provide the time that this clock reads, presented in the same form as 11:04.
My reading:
10:31
